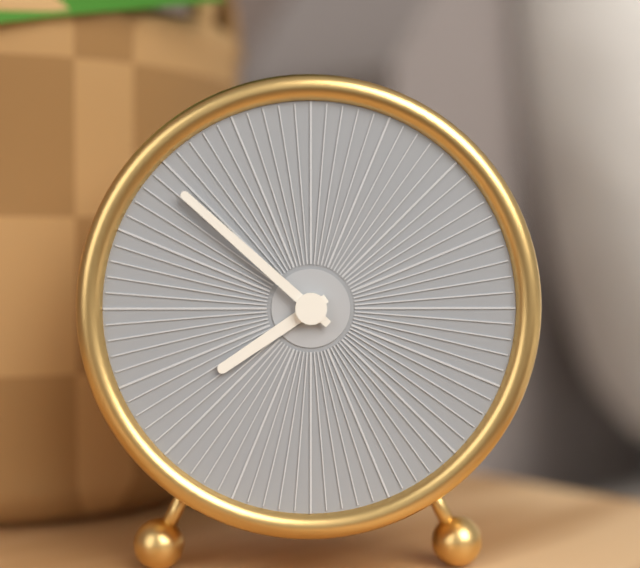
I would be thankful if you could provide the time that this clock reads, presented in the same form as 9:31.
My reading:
7:52
